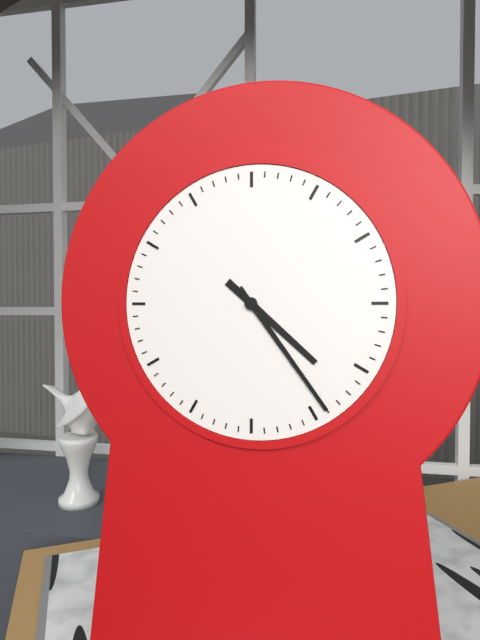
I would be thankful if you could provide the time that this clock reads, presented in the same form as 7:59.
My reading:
4:24
